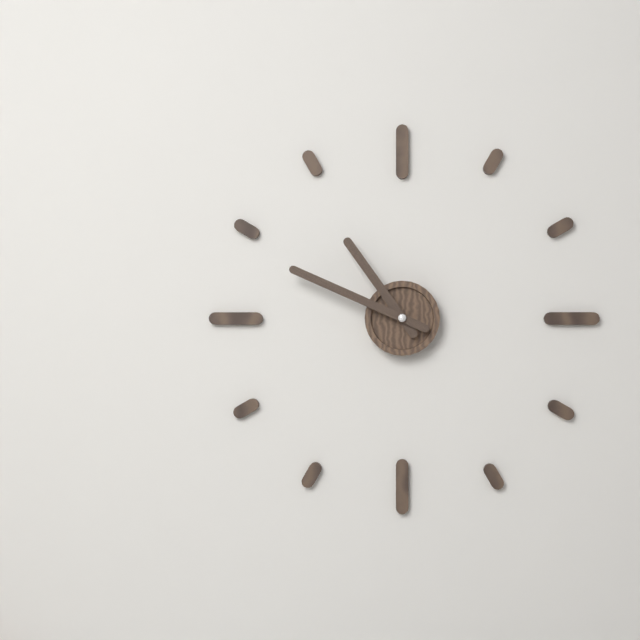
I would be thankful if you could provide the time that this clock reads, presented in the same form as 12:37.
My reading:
10:49
